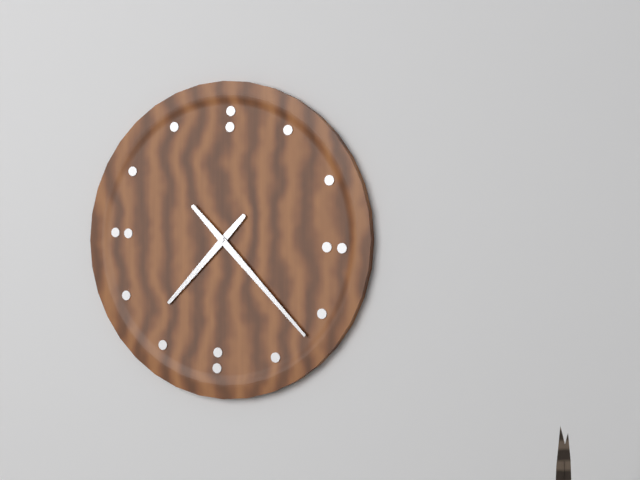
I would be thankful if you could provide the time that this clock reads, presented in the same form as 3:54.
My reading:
7:22
